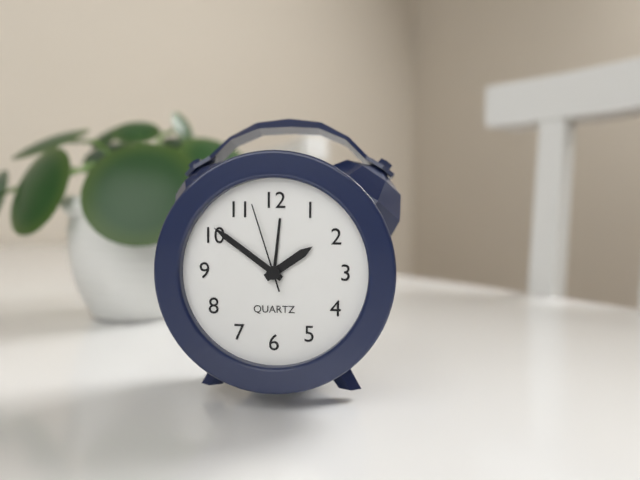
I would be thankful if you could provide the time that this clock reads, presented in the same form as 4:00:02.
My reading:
1:51:57
